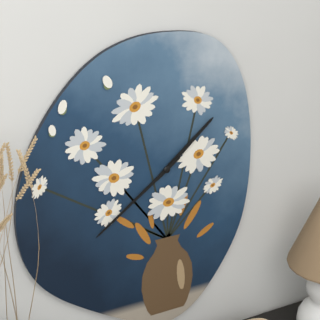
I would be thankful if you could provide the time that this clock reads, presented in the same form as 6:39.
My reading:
1:39
